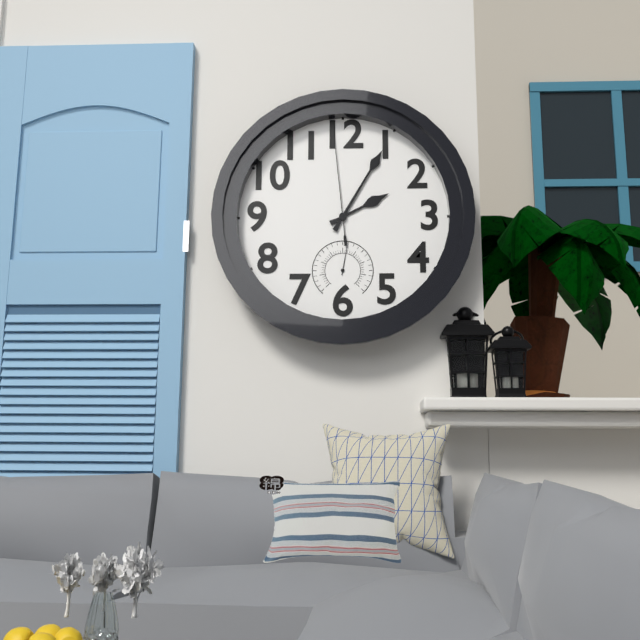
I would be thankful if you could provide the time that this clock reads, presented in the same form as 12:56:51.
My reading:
2:05:59
